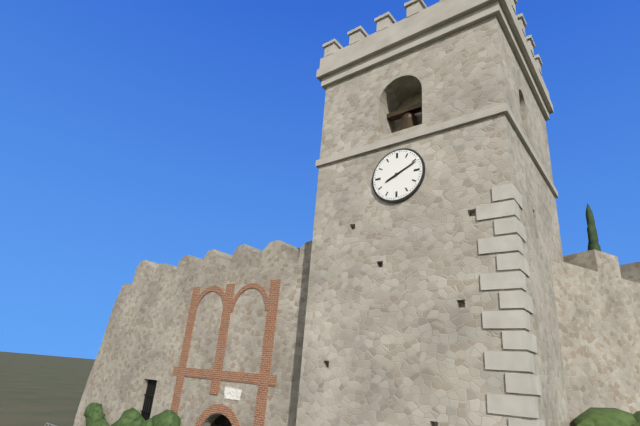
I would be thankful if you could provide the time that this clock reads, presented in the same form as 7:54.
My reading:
8:11
